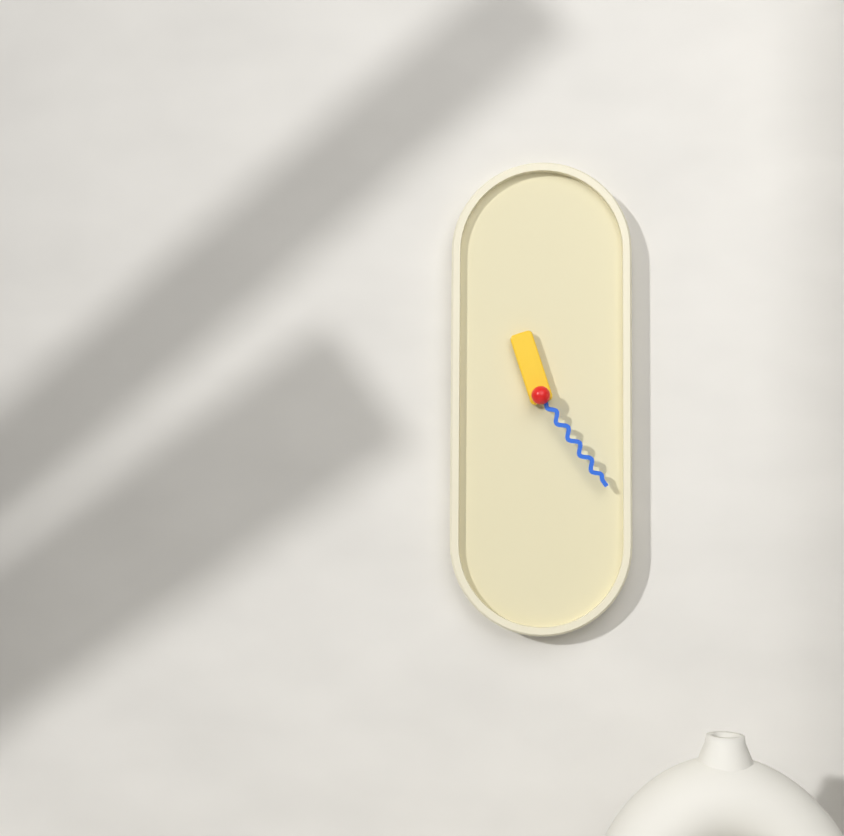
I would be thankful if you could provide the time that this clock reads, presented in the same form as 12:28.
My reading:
11:24
